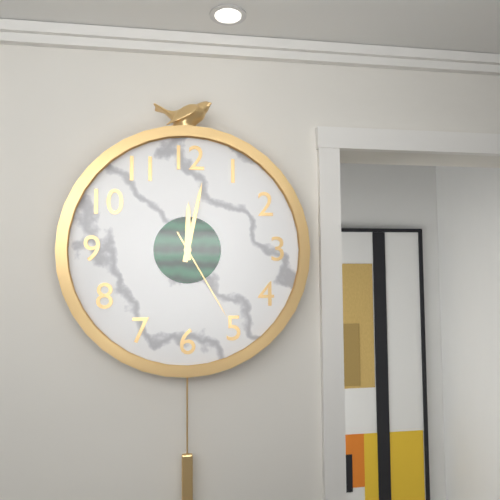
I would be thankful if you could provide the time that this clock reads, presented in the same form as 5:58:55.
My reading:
12:02:25
